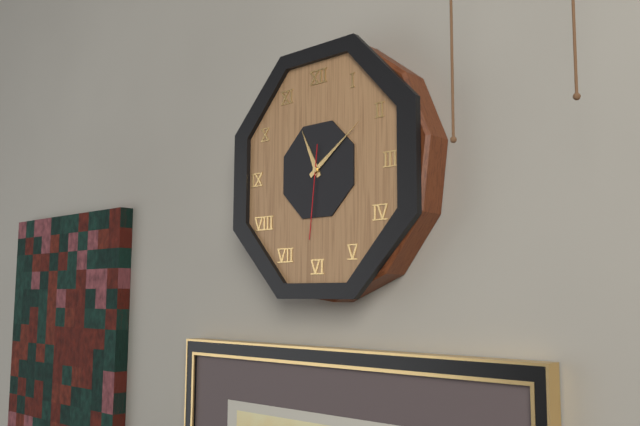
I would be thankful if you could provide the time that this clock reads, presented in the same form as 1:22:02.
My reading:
11:09:31
